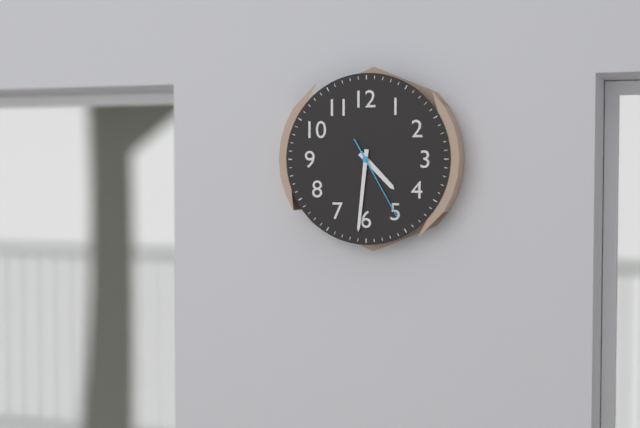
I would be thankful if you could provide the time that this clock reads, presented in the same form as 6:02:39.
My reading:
4:31:25
